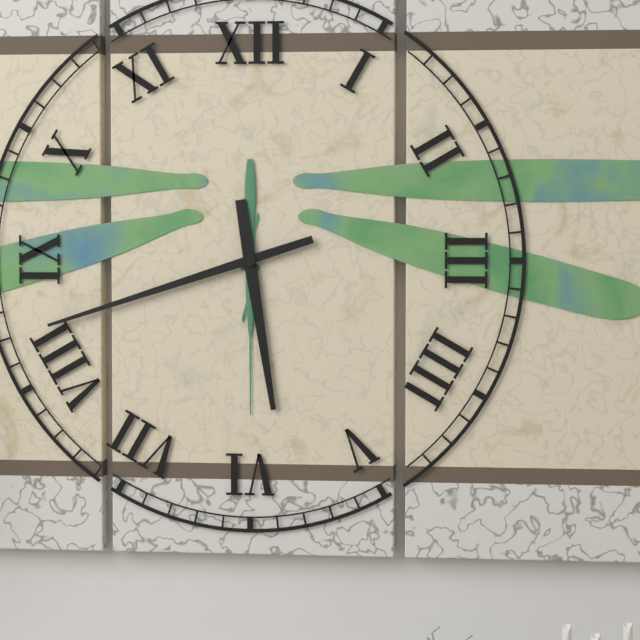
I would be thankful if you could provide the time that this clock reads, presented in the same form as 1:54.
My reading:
5:42
